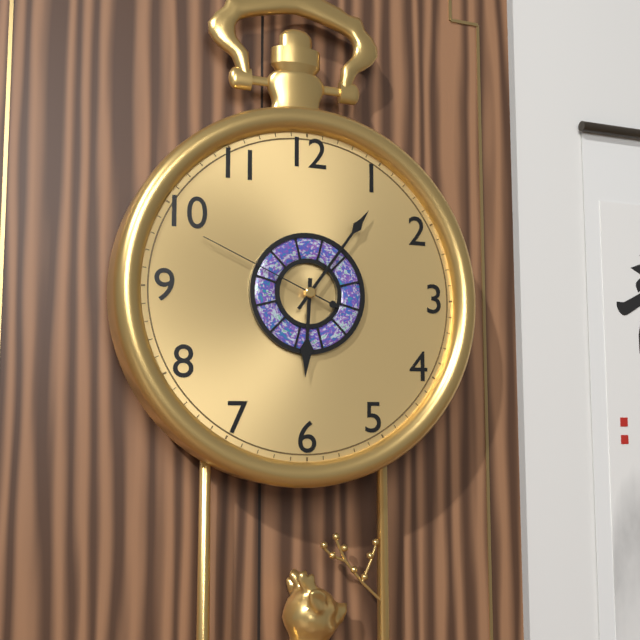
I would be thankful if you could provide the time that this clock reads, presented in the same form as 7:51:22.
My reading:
6:06:49
